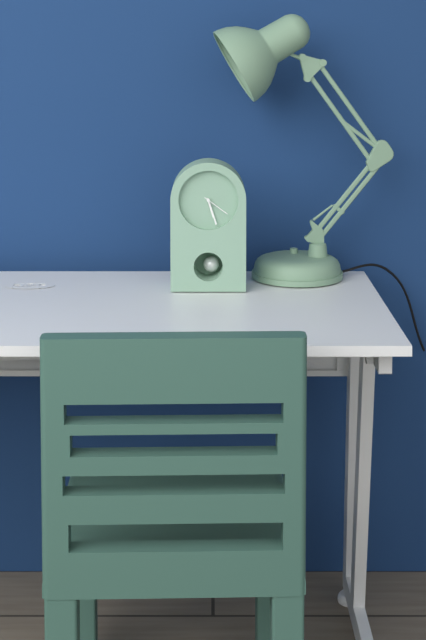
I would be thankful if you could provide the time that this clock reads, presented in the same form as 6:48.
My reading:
5:27
